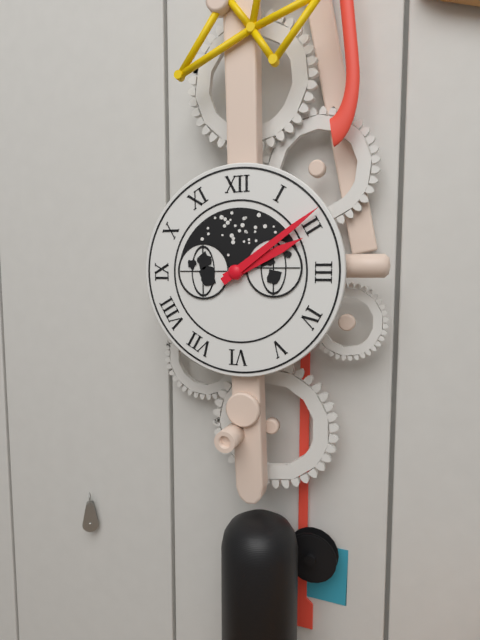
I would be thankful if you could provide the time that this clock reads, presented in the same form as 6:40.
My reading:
2:09
